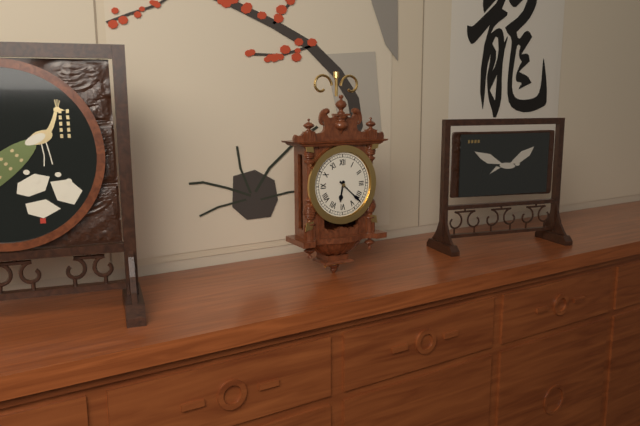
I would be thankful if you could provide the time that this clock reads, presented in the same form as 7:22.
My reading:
6:22
